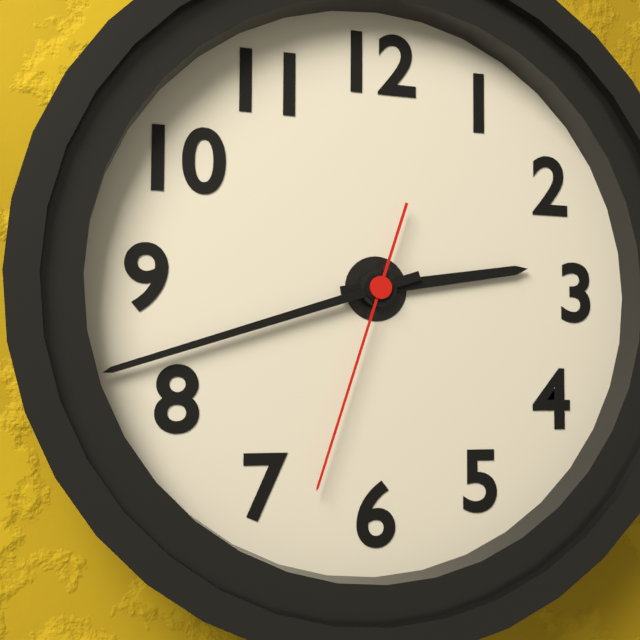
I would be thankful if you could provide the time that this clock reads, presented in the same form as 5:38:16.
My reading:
2:42:33
